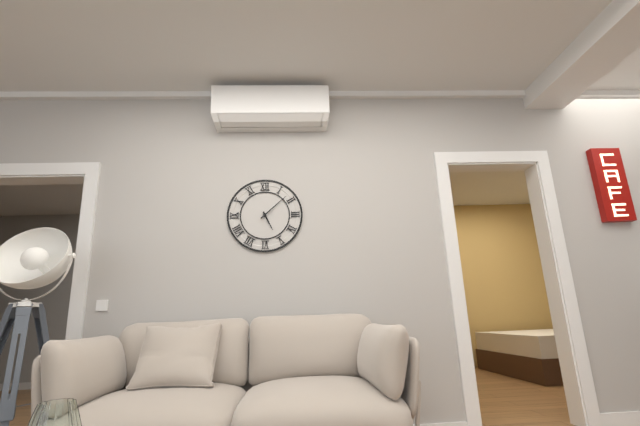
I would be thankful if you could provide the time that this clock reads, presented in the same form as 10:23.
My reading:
5:08
